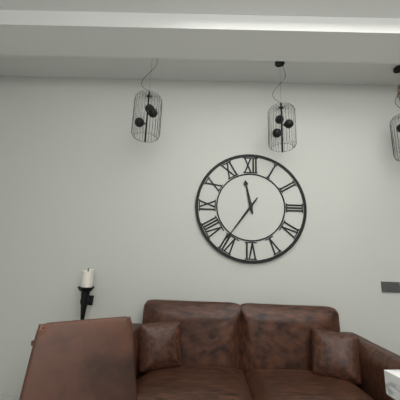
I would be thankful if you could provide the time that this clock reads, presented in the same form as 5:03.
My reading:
11:36
